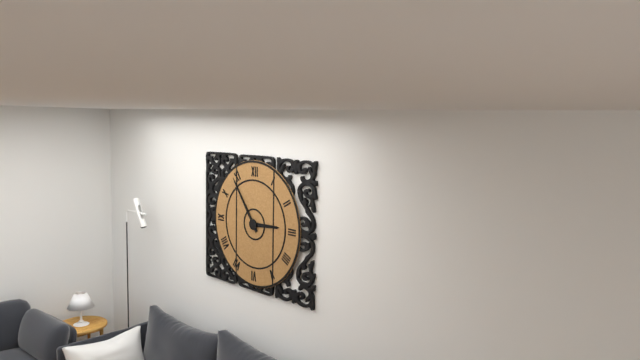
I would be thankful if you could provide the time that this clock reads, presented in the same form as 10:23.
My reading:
2:54
